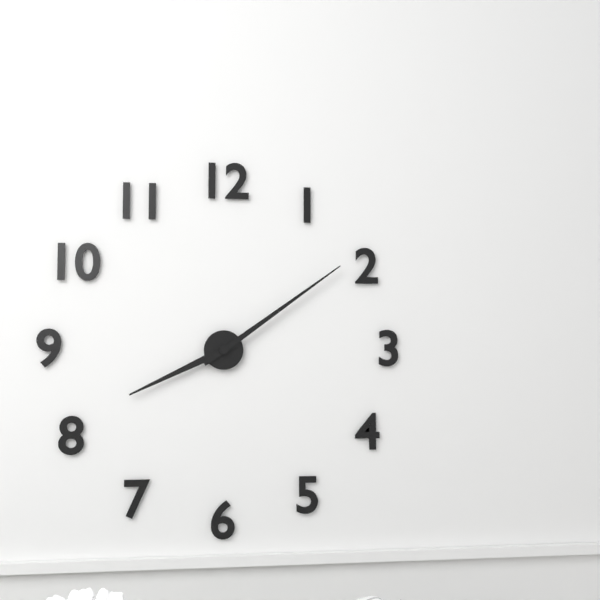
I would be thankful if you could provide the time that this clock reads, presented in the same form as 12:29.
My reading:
8:09
